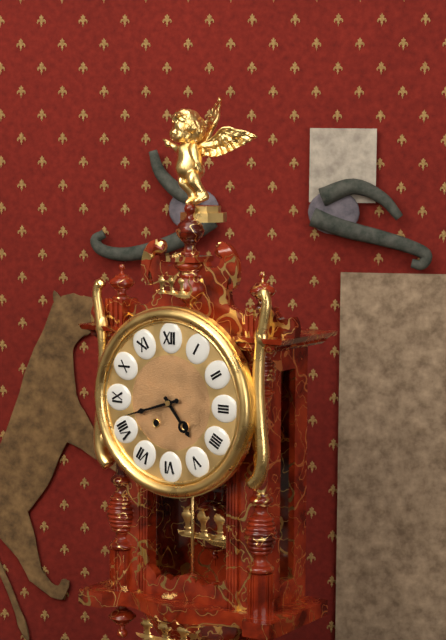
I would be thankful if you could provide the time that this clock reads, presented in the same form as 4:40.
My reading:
4:42
